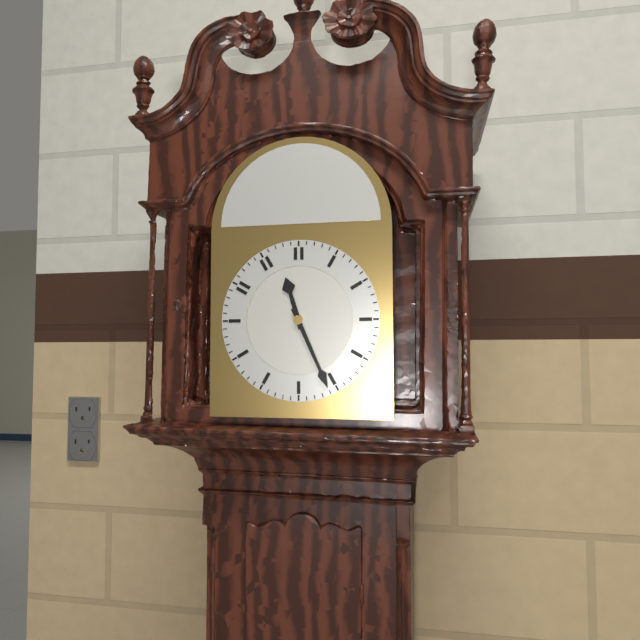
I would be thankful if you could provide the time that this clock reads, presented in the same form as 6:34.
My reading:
11:26
